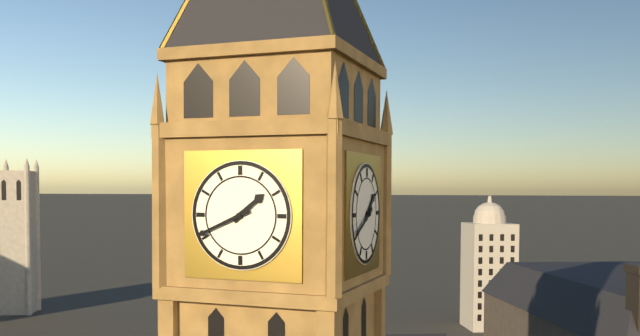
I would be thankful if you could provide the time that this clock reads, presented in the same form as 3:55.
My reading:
1:41
